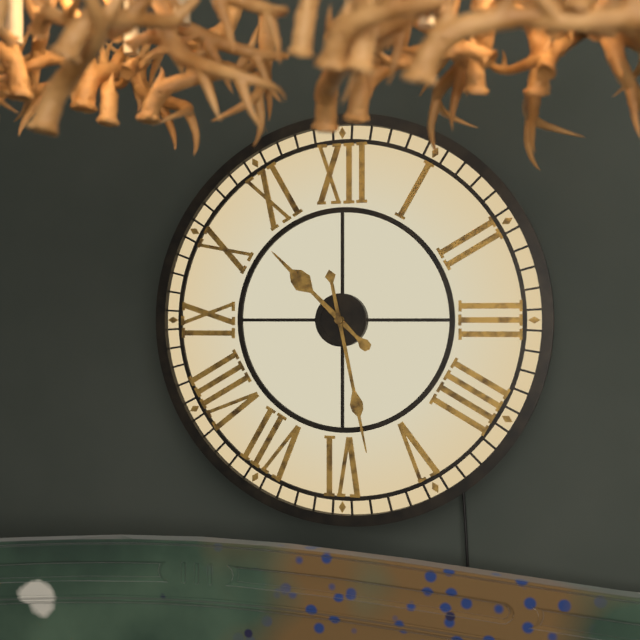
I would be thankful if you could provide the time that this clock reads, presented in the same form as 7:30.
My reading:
10:28
